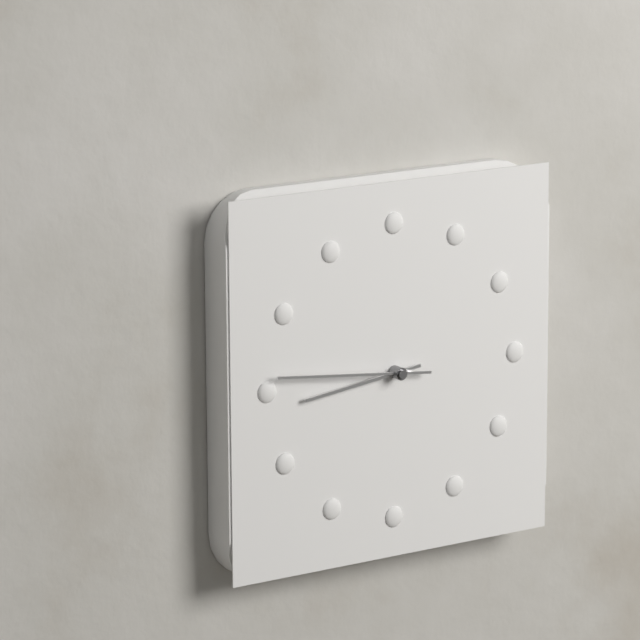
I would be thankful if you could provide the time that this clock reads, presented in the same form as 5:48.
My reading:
8:46
